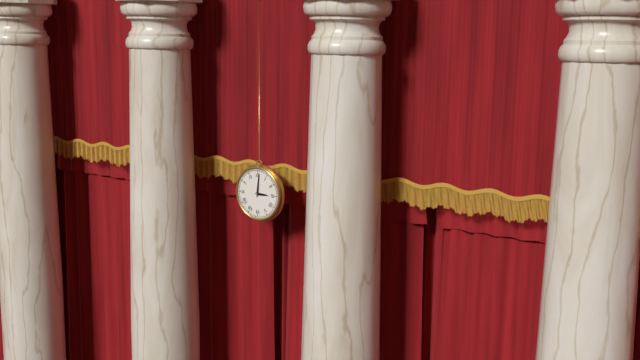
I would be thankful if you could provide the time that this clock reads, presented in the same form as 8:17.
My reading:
3:01
